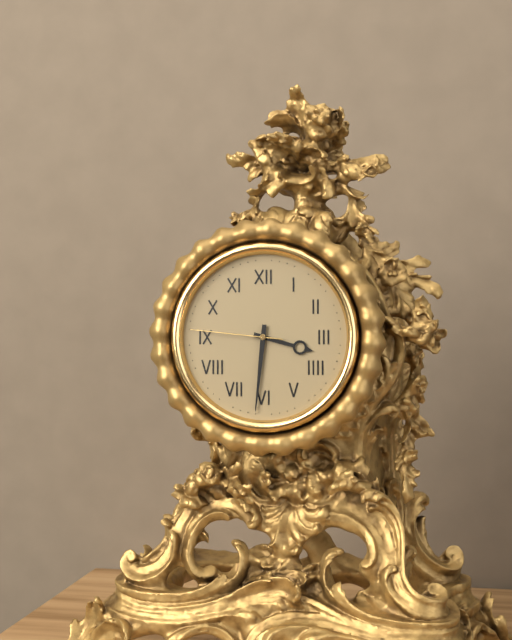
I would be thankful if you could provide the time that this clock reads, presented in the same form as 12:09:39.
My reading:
3:31:46
